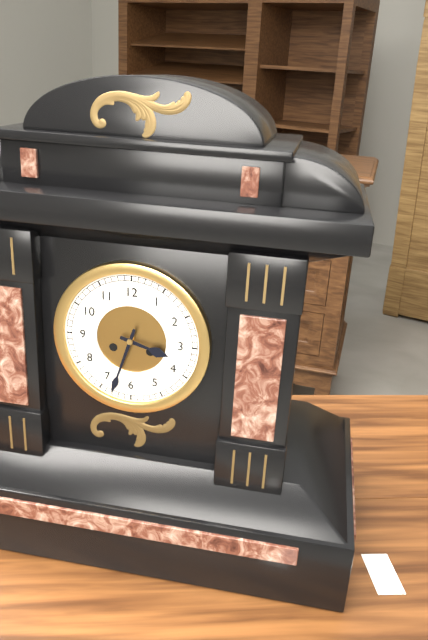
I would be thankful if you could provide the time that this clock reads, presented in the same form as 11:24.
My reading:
3:33
